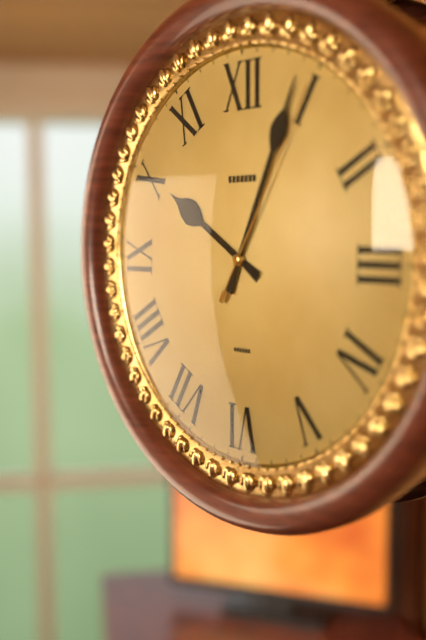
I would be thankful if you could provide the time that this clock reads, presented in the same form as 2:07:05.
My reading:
10:04:05
